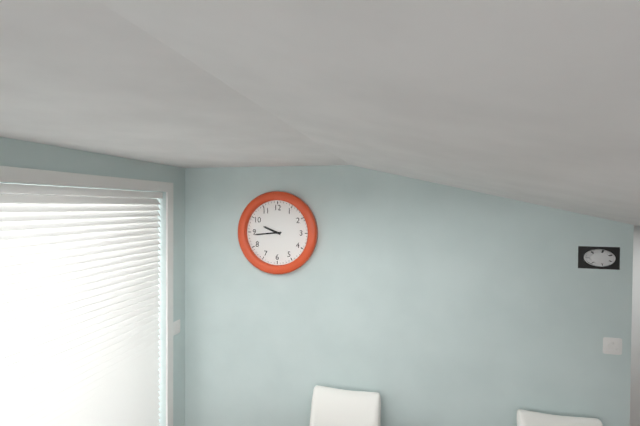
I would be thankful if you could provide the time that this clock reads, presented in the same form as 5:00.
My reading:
9:44
